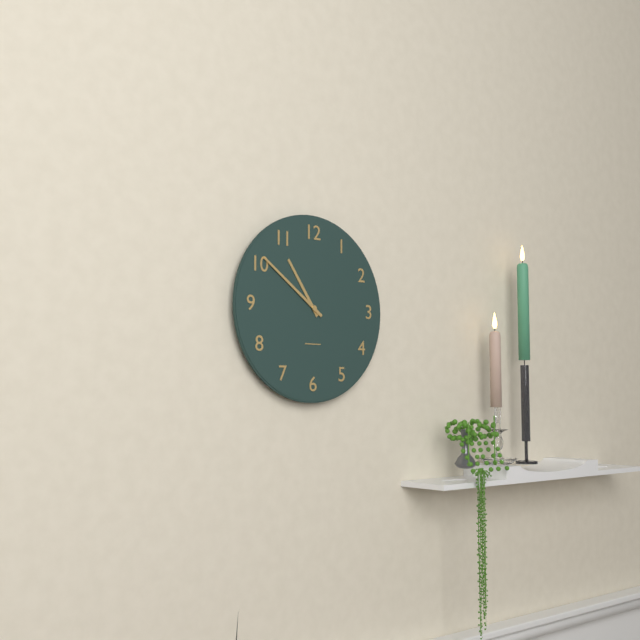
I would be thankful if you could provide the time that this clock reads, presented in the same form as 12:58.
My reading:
10:51
